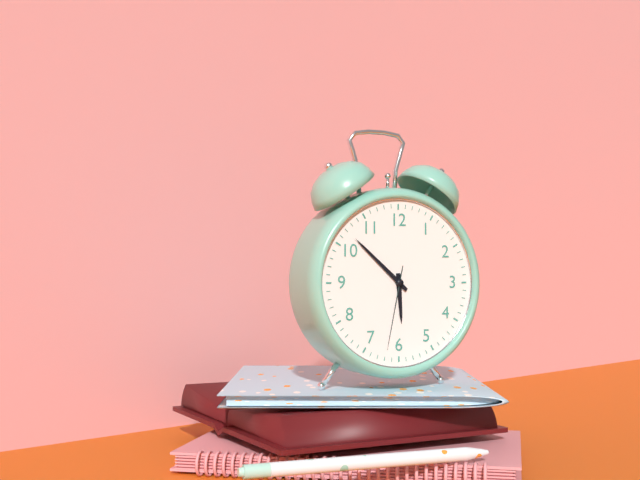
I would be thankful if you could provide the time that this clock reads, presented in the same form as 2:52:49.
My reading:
5:52:32
